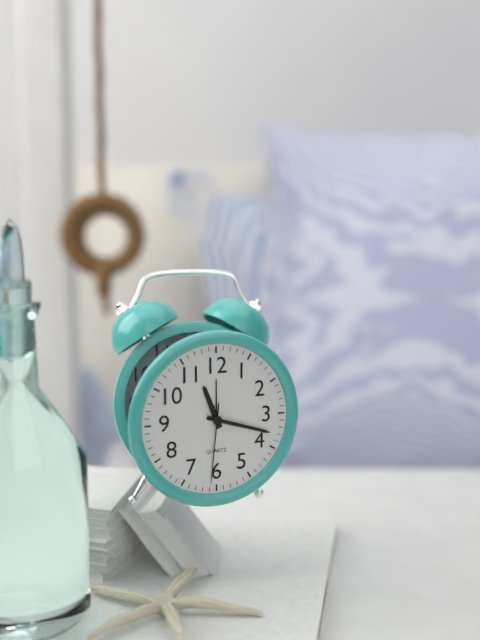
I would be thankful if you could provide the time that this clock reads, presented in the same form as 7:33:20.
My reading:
11:18:31
